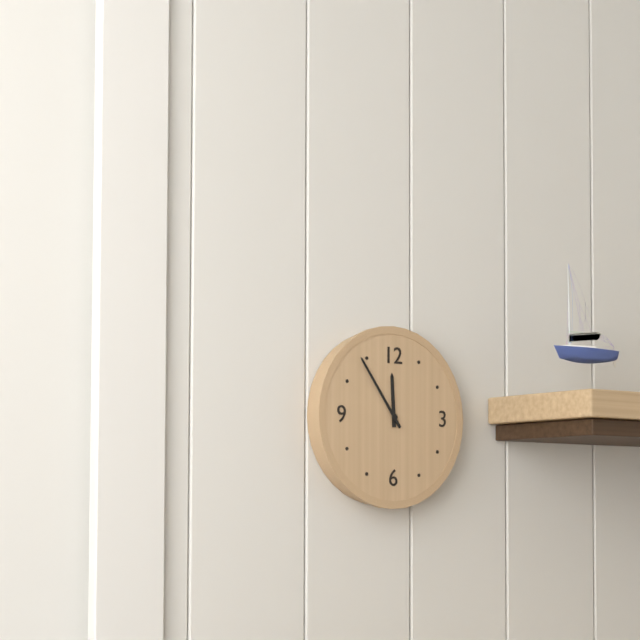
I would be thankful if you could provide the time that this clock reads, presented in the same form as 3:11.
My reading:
11:54
